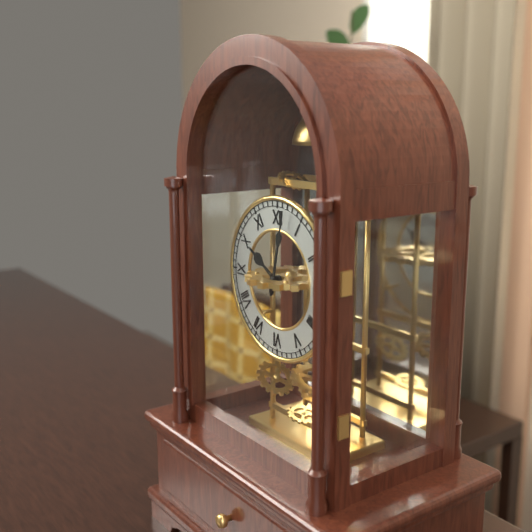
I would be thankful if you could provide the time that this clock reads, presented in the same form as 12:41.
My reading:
10:02
